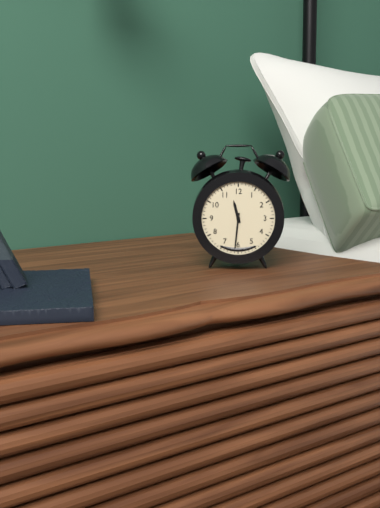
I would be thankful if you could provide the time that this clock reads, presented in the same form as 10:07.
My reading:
11:31
